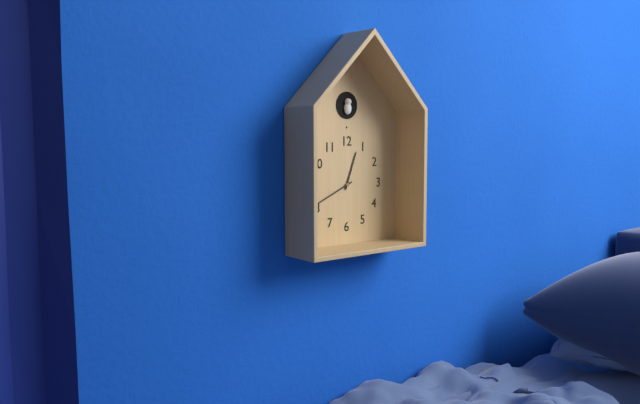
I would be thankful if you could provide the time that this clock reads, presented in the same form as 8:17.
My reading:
12:41
